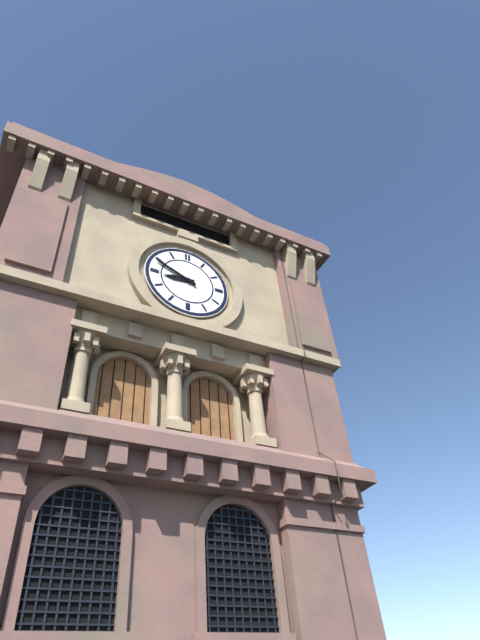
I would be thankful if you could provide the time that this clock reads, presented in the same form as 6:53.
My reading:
8:49
